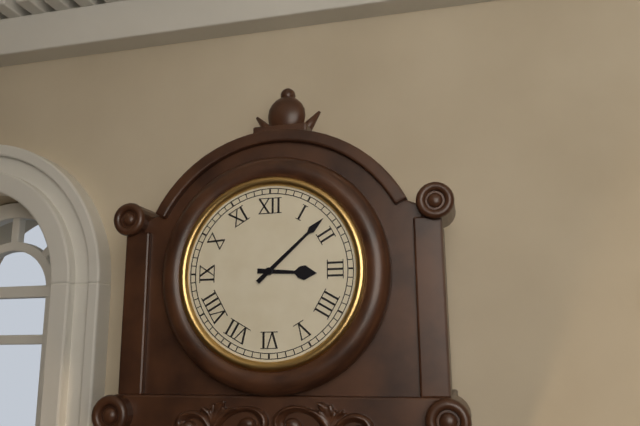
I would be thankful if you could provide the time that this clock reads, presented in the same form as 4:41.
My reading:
3:08
